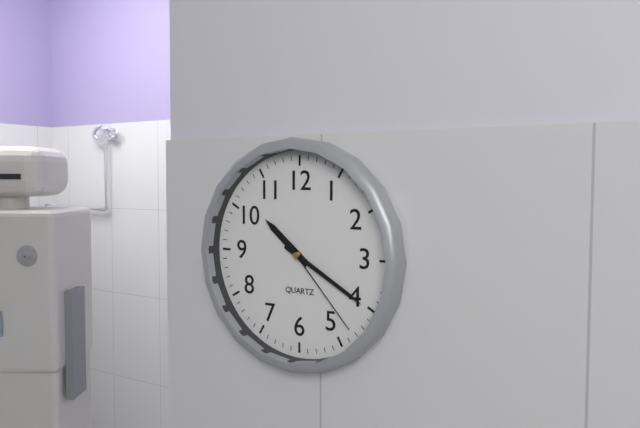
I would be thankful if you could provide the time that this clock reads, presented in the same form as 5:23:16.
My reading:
10:20:23
